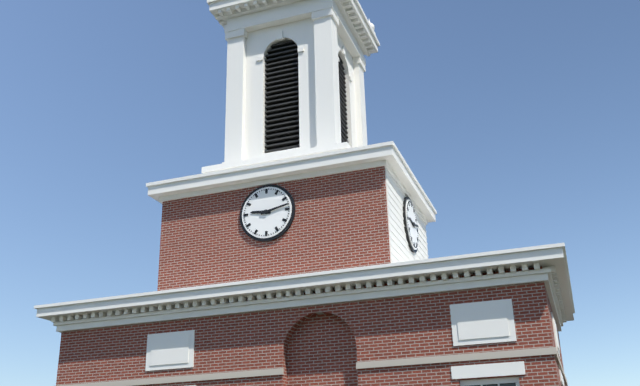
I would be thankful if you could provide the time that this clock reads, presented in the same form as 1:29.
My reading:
9:13
